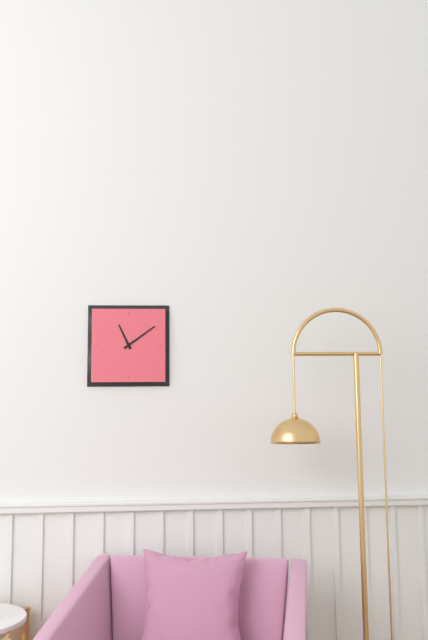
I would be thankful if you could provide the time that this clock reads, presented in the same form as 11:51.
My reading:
11:09
